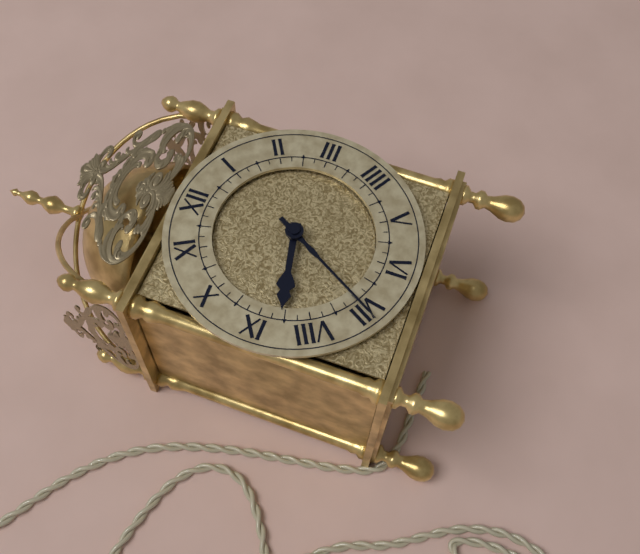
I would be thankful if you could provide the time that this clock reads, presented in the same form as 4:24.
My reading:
8:35
